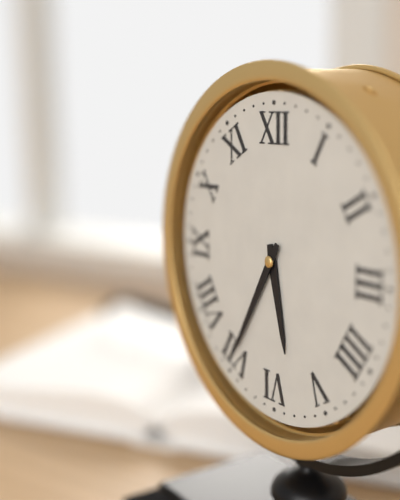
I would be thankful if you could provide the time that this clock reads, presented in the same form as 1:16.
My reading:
5:35
